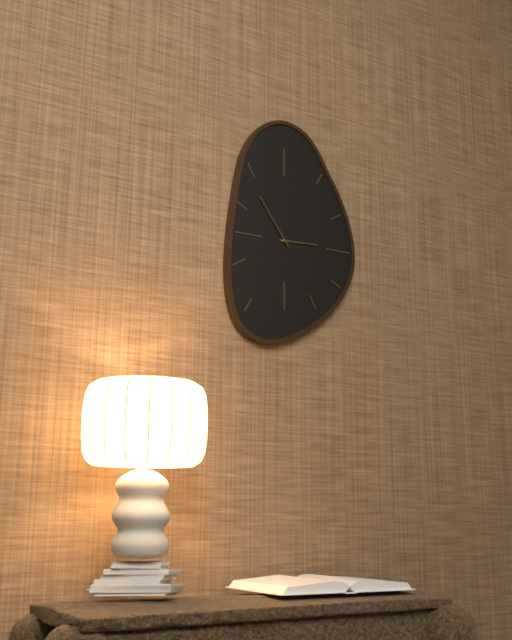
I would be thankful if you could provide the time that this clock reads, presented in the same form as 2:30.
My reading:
2:54
